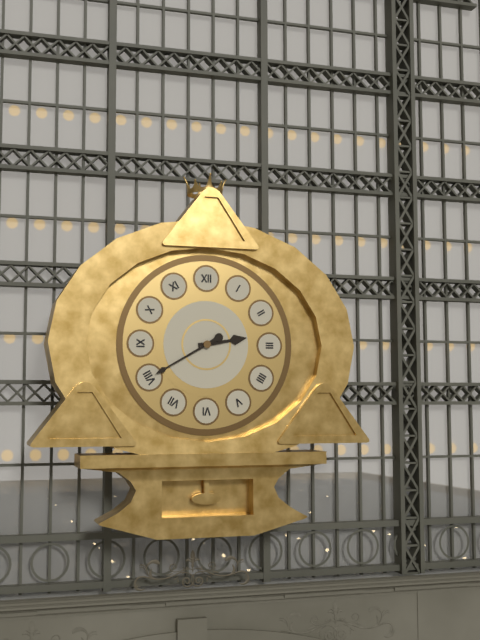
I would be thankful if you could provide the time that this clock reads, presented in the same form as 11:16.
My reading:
2:40
